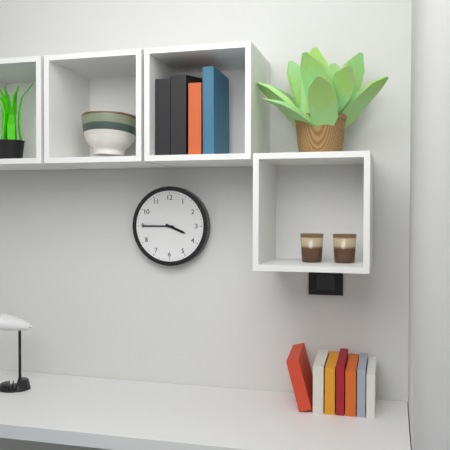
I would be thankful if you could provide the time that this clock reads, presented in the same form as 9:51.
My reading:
3:45
